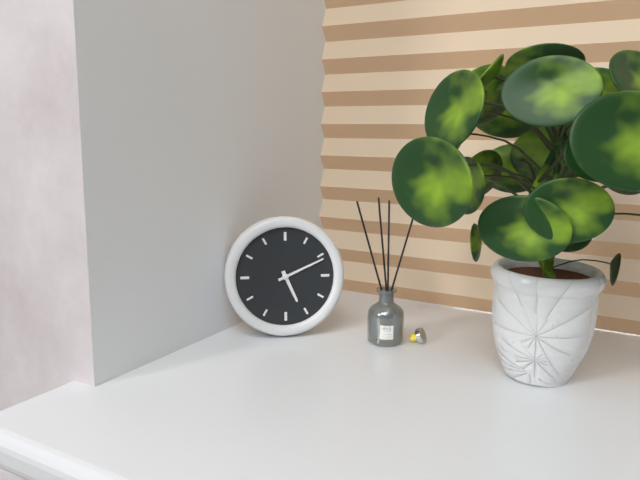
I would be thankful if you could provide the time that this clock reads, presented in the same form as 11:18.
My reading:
5:11
